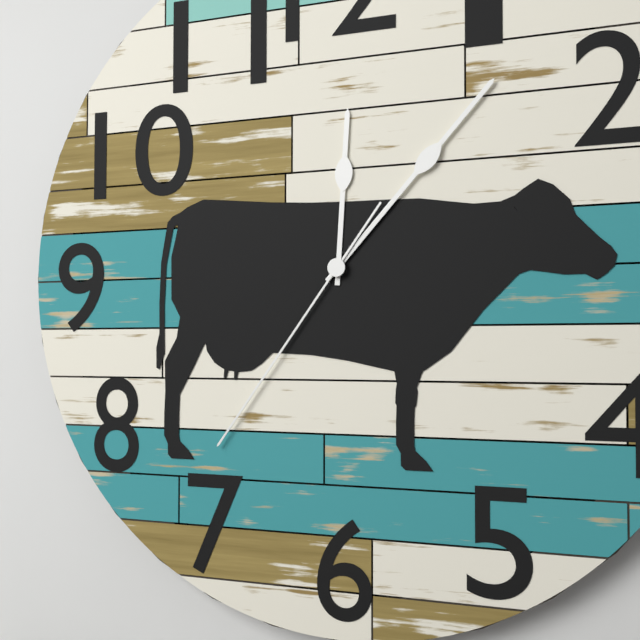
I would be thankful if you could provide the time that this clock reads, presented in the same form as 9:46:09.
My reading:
12:07:36
